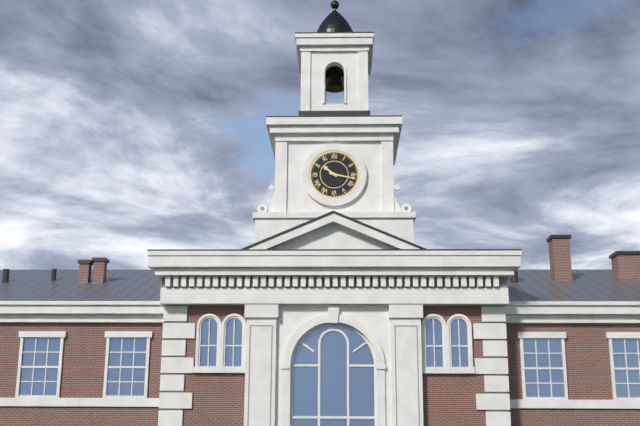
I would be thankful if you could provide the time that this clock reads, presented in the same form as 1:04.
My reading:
10:17
